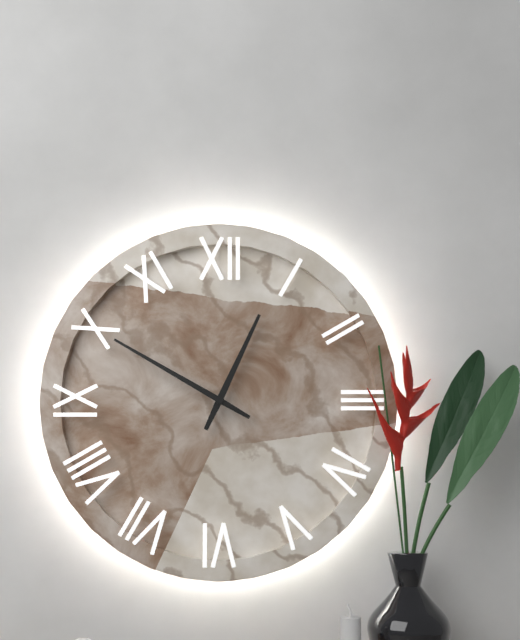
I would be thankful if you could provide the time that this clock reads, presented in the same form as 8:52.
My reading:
12:50
